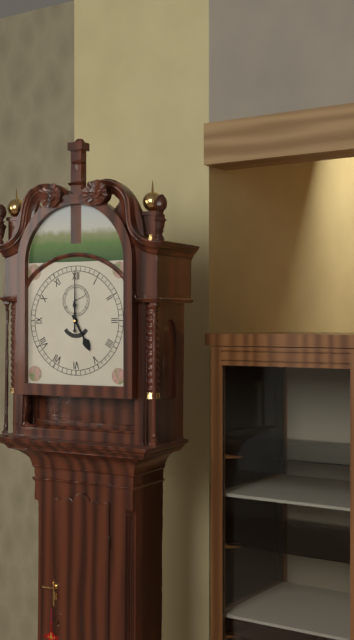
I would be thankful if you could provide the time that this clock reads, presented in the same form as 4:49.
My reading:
5:00
